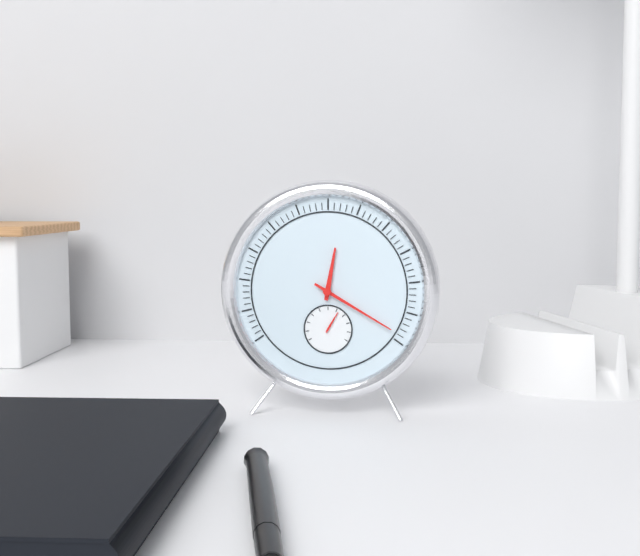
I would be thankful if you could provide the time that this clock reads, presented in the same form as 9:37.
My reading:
12:20
